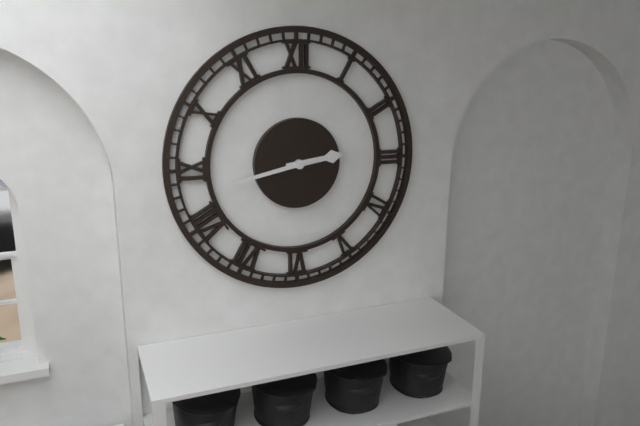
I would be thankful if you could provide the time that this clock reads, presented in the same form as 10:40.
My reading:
2:43
